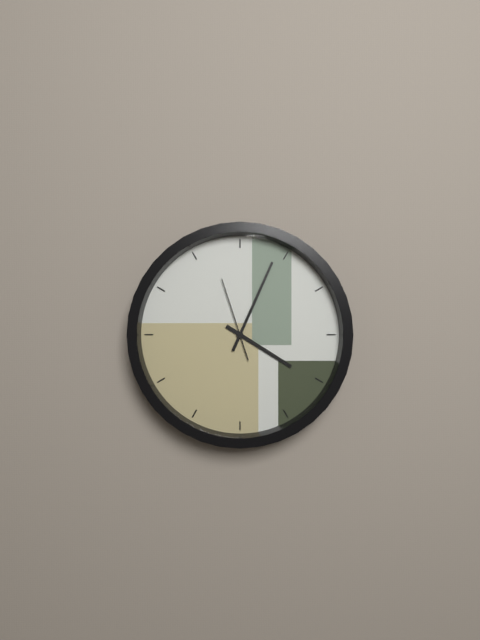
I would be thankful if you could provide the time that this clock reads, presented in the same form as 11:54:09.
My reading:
4:04:57
